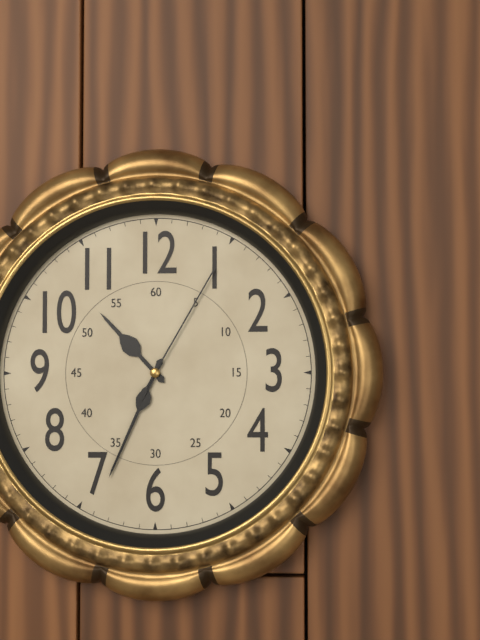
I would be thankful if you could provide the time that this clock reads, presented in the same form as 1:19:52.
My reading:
10:34:05
